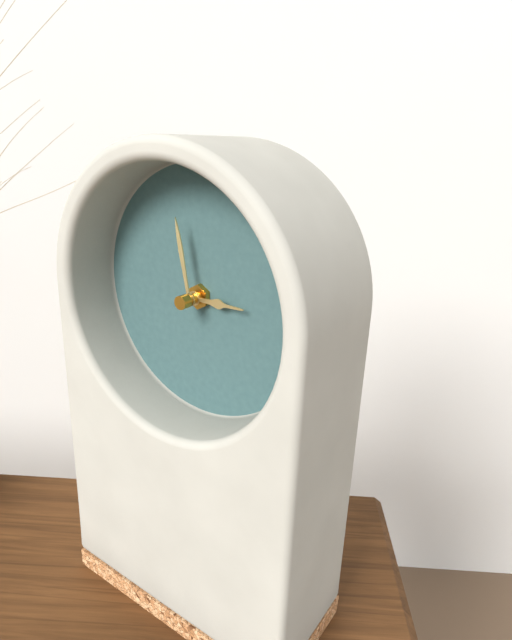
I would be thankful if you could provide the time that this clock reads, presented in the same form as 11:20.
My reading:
2:58
